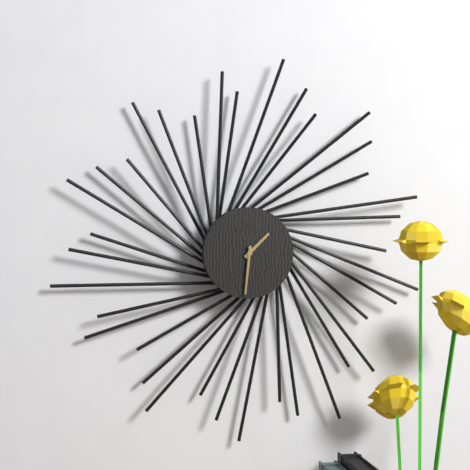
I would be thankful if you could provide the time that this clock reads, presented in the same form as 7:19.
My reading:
1:31
